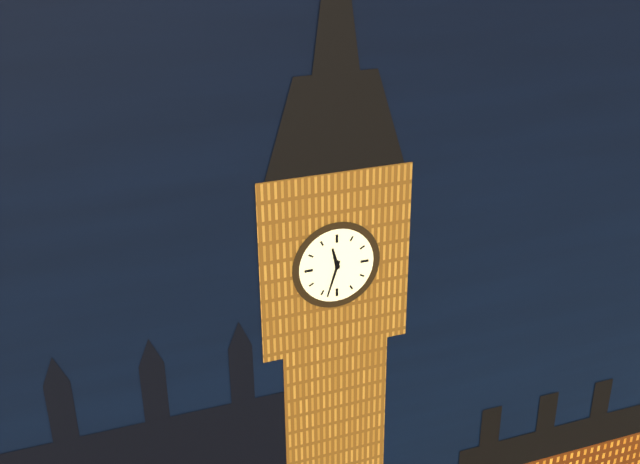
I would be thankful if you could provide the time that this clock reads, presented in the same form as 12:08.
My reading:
11:33
